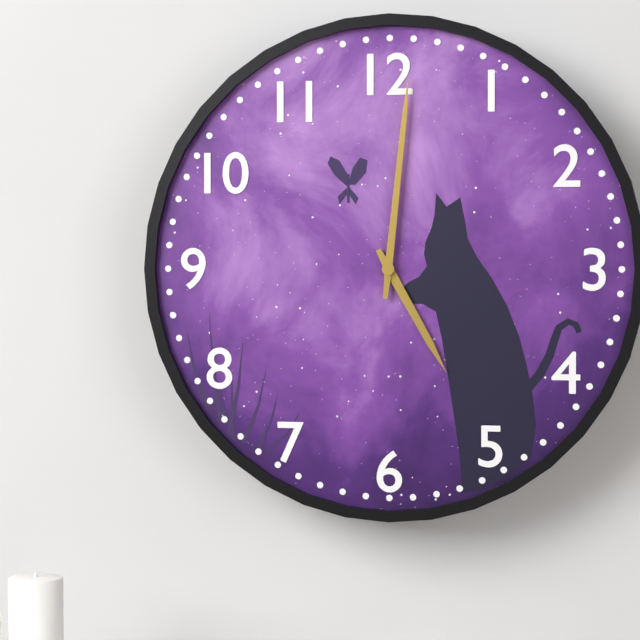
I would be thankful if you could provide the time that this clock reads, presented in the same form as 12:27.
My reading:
5:01
